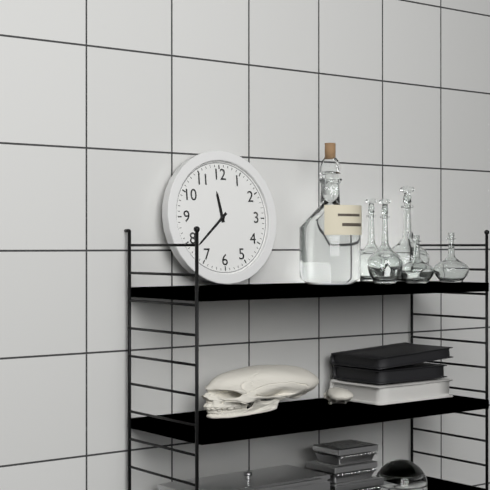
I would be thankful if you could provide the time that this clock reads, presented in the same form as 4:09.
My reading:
11:38
